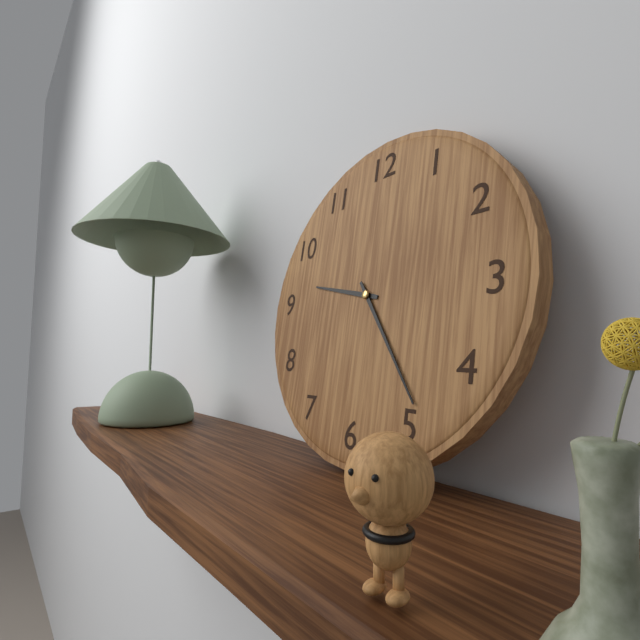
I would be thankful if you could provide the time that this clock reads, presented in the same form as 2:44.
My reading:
9:24
